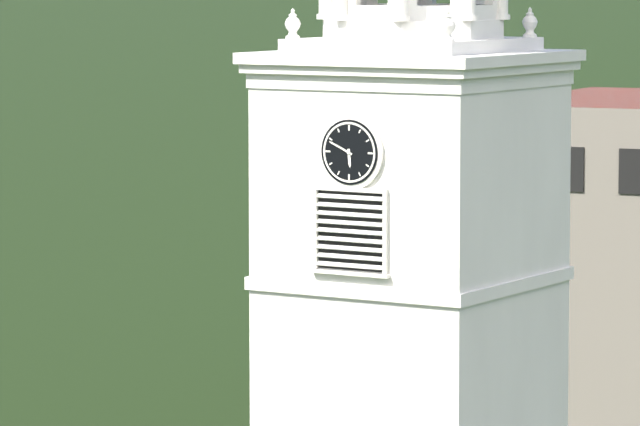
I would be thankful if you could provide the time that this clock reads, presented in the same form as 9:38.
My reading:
5:49
